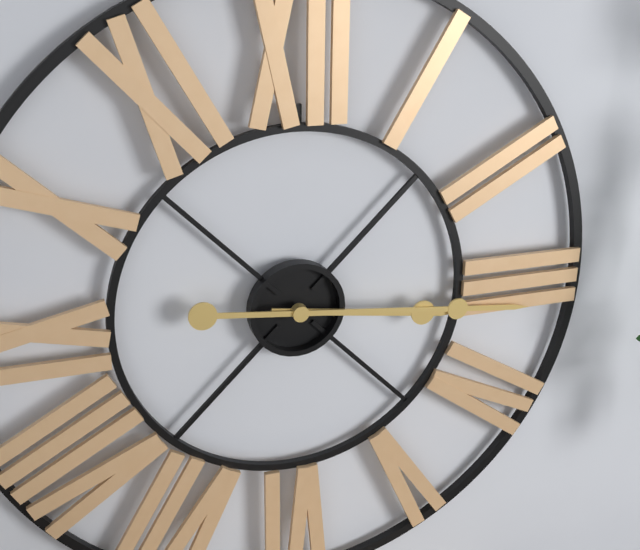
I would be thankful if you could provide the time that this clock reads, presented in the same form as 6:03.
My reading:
3:16
